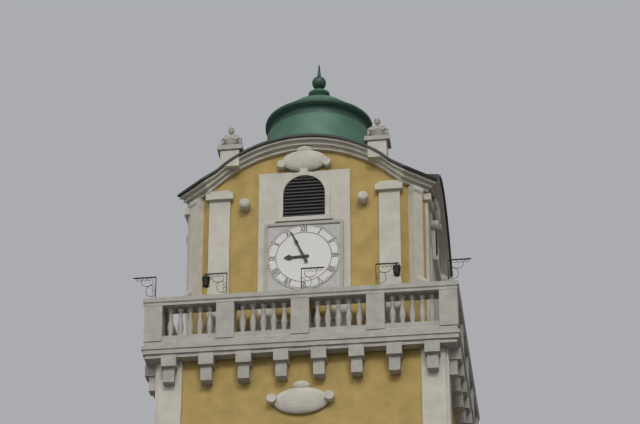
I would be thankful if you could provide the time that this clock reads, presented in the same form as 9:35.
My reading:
8:56
